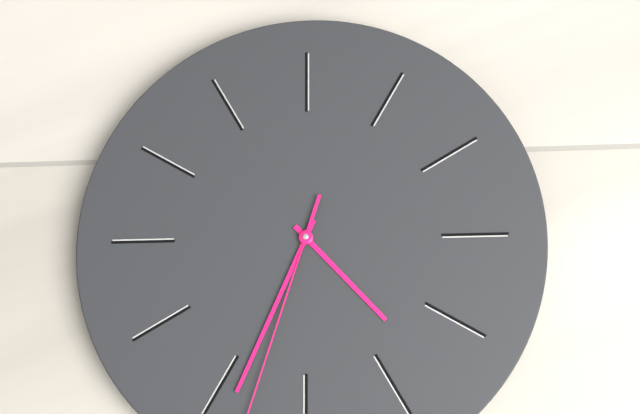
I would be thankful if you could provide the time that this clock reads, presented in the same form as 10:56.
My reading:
4:34
